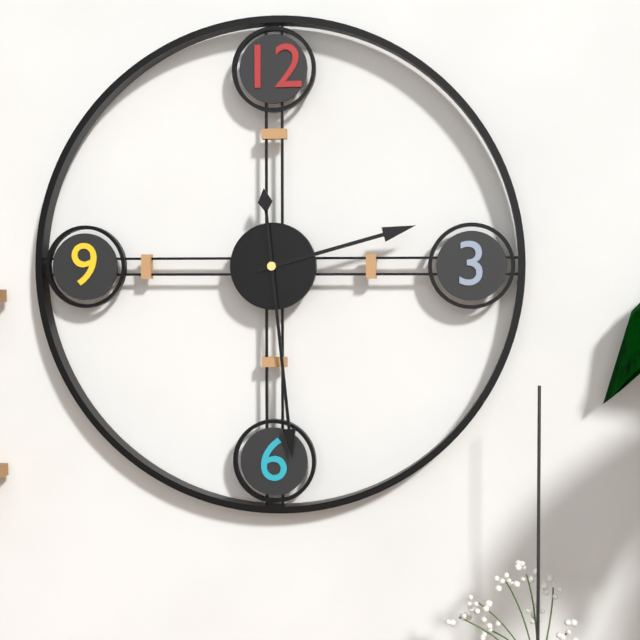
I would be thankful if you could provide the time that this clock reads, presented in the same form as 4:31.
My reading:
2:29
